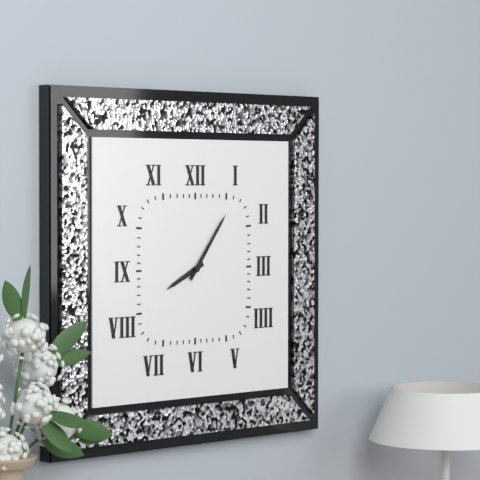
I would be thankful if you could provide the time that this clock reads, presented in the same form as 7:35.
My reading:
8:06
